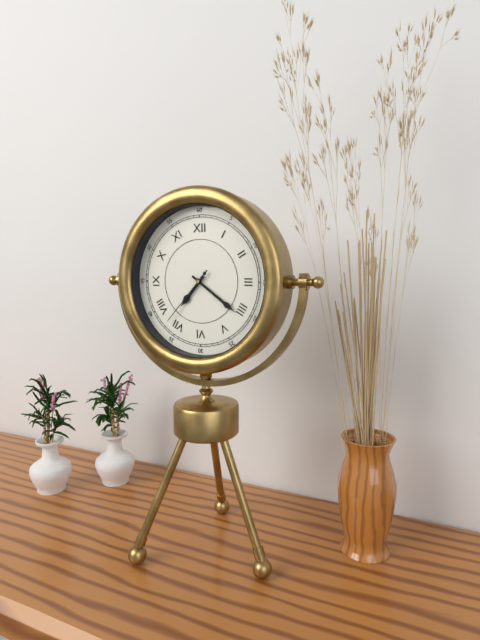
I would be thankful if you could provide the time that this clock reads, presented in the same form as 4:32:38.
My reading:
7:21:37
